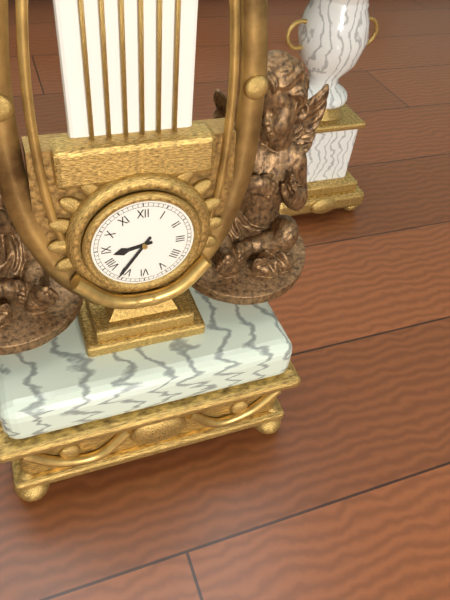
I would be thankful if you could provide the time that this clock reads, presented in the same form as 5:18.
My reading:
8:36
